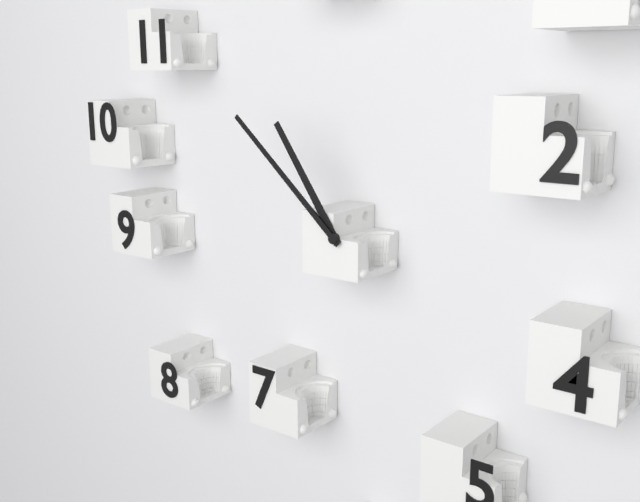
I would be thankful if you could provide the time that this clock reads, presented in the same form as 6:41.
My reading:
10:52
